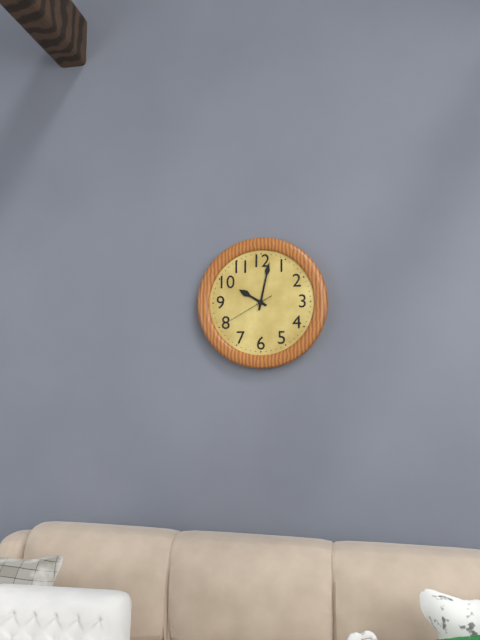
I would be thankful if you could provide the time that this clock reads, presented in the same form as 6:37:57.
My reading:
10:02:40
